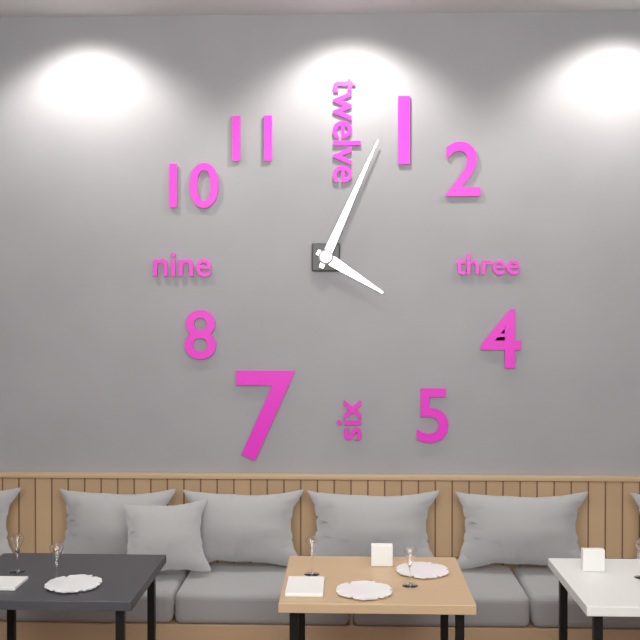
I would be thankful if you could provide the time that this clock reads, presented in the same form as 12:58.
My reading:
4:04
